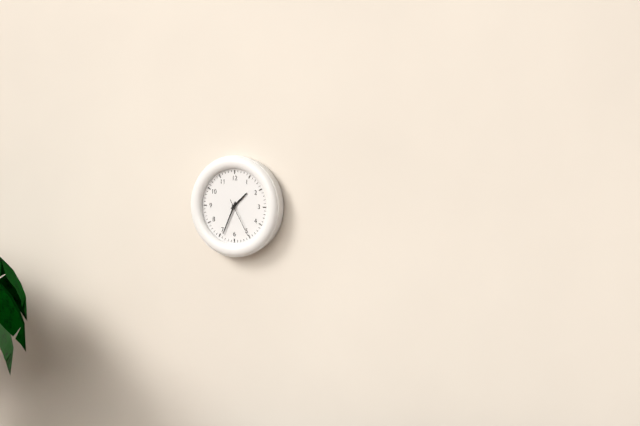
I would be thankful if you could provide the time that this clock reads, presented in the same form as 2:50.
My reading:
1:34
